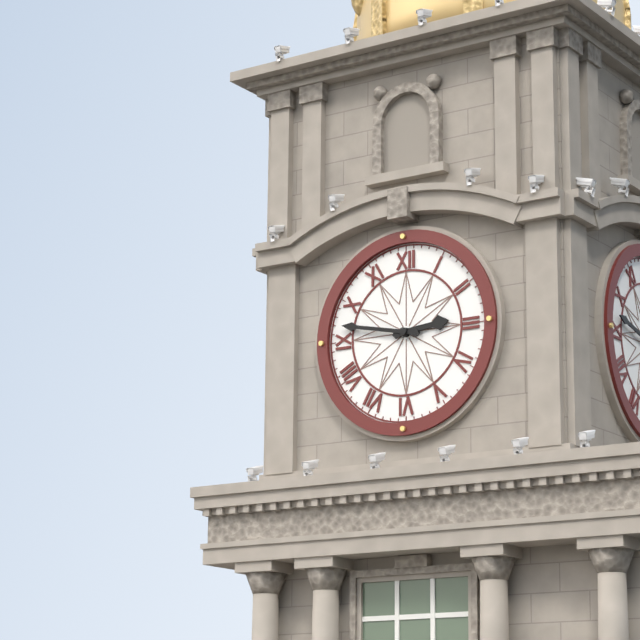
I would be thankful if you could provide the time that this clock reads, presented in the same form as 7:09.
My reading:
2:47
